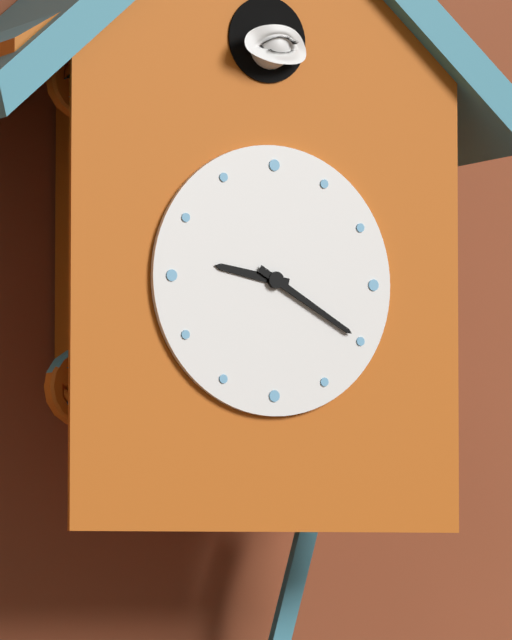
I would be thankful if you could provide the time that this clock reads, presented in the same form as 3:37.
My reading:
9:20
